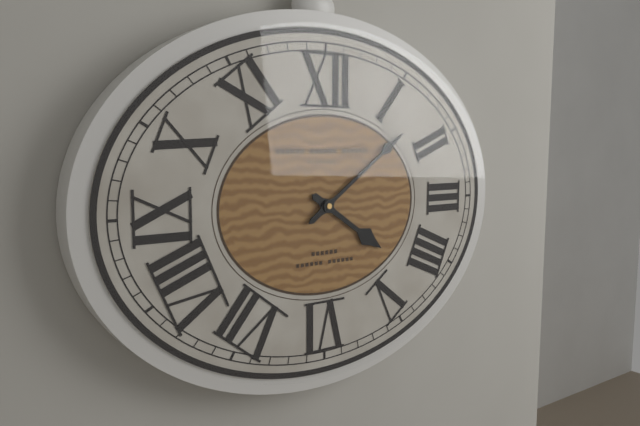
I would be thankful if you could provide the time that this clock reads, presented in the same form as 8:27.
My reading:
4:09
